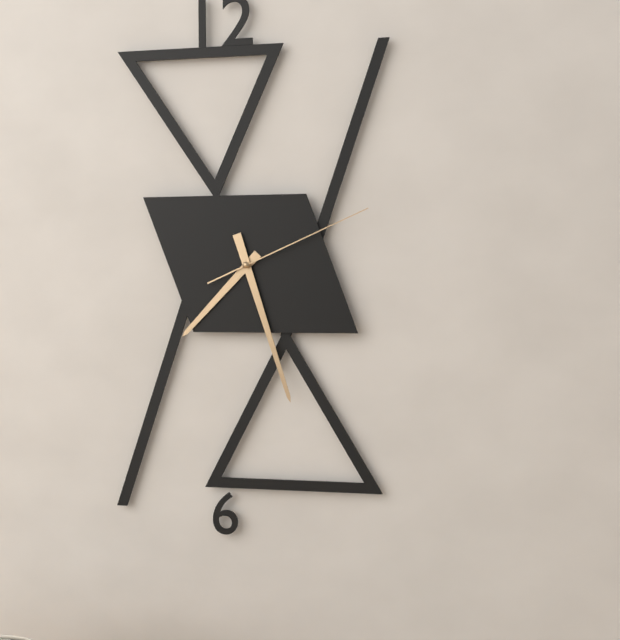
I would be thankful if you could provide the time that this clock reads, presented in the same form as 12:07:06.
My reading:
7:27:11
